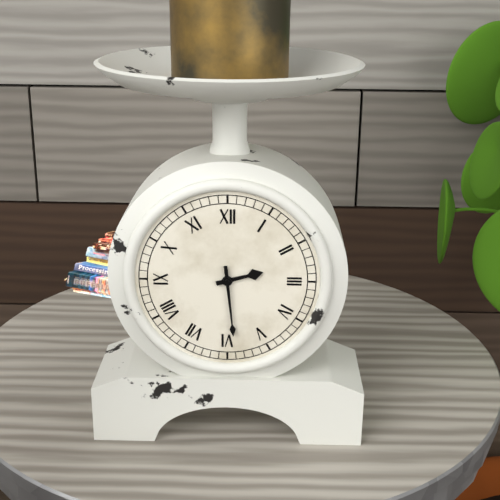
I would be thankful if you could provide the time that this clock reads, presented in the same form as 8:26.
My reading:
2:29
